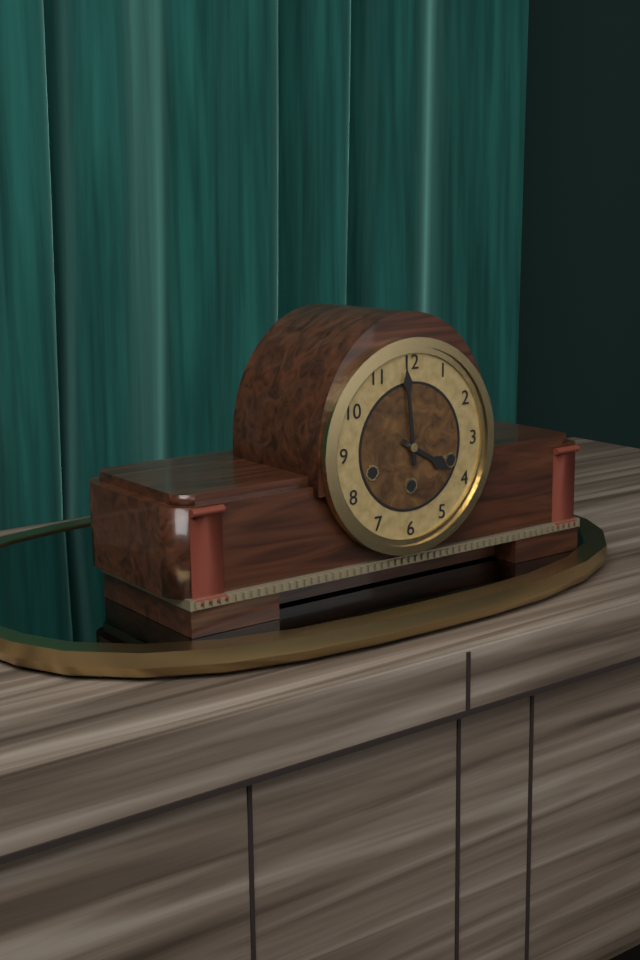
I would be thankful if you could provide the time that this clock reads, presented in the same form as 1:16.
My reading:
3:59
